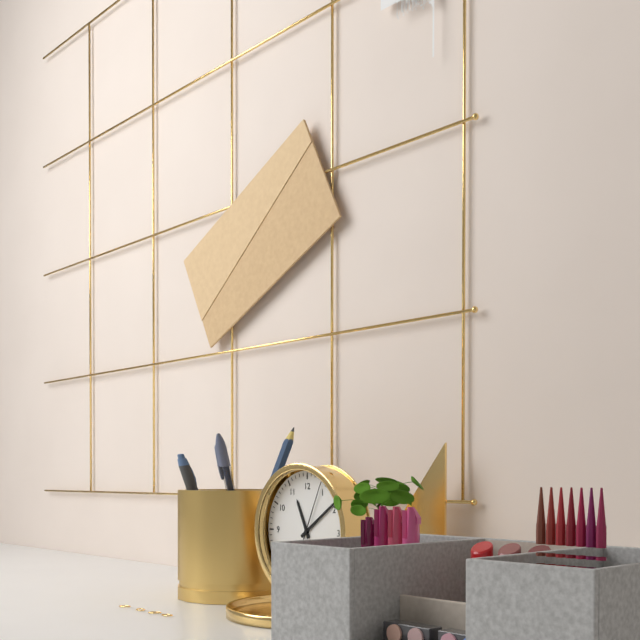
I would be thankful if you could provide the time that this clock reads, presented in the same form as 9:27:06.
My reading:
11:09:04
